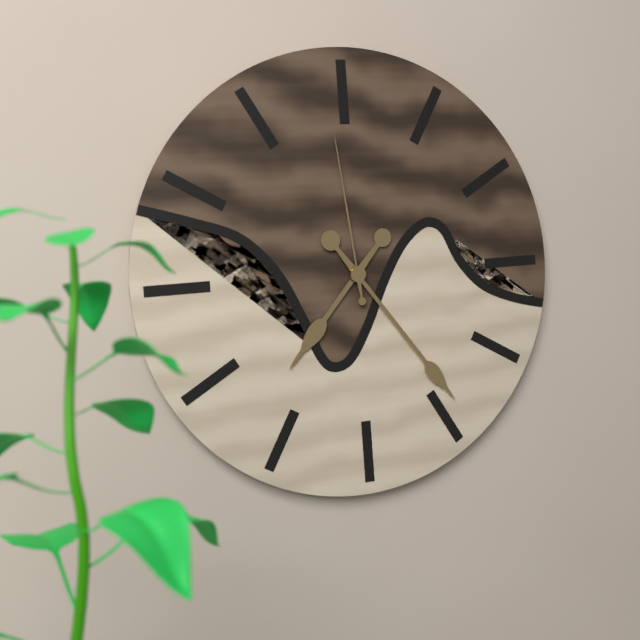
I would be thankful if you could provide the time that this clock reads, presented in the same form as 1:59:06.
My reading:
7:24:59
